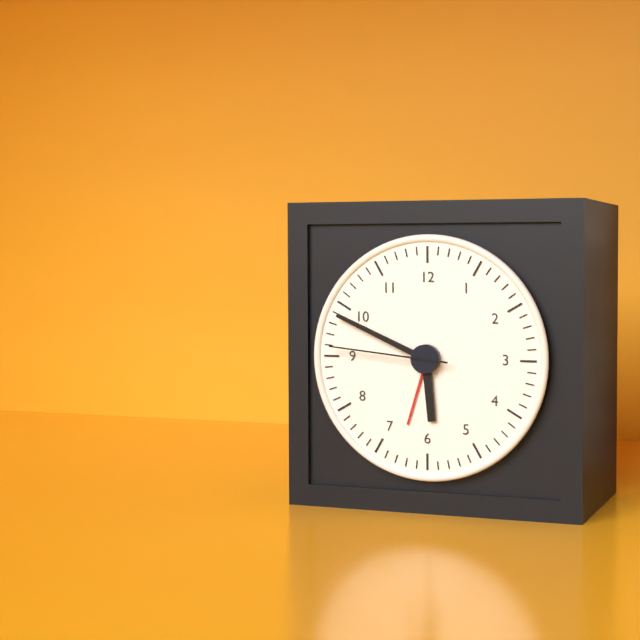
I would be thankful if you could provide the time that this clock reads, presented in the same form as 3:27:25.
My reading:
5:49:46
